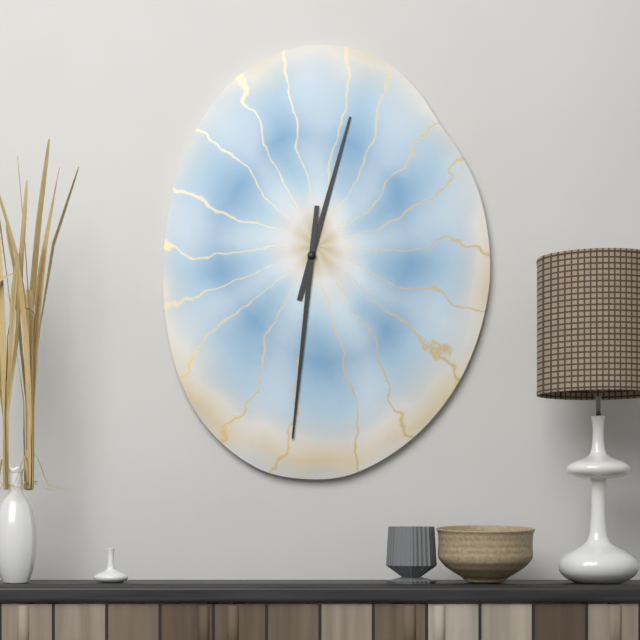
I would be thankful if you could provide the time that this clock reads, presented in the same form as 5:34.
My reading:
12:31
